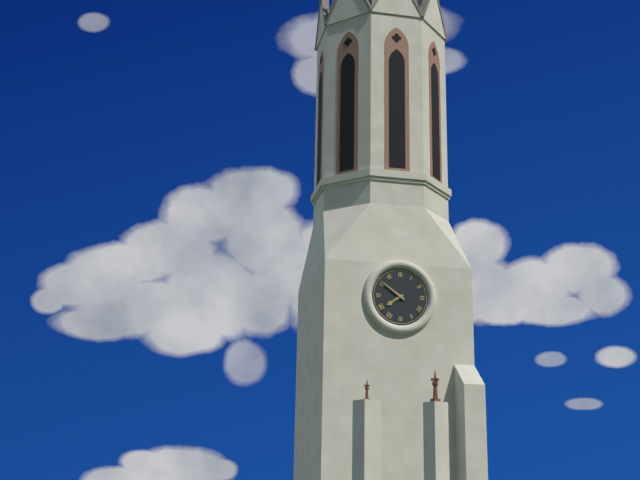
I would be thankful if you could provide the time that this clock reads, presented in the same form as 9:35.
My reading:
7:51
